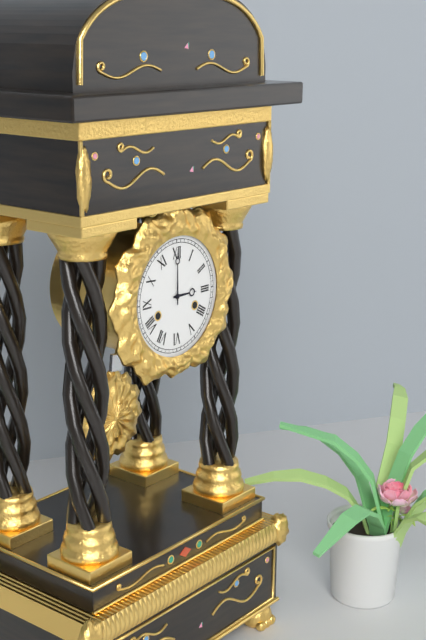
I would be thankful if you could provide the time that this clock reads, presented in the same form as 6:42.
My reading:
3:00
